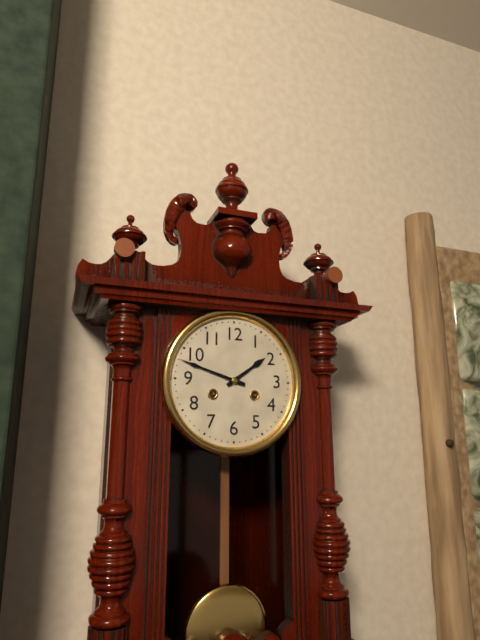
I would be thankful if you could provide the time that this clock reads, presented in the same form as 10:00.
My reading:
1:48
